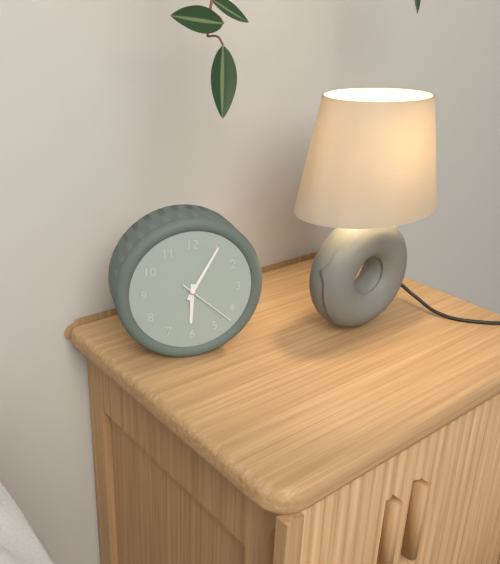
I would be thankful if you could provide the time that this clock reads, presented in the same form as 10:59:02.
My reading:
6:05:22
